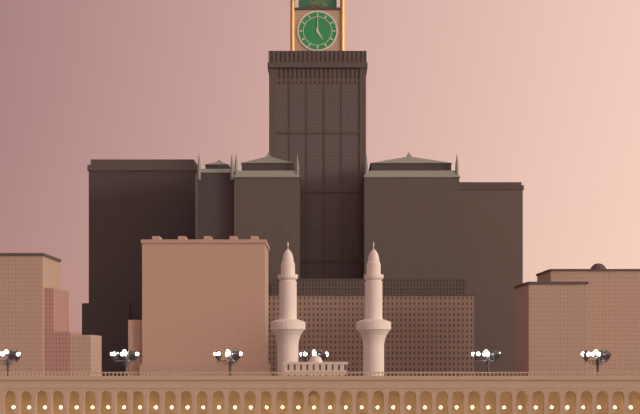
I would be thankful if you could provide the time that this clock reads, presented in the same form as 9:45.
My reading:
5:00
